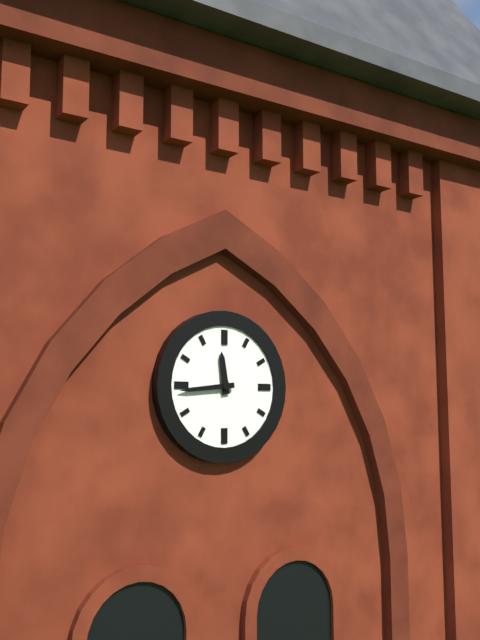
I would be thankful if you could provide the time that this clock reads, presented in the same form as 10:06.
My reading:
11:44
